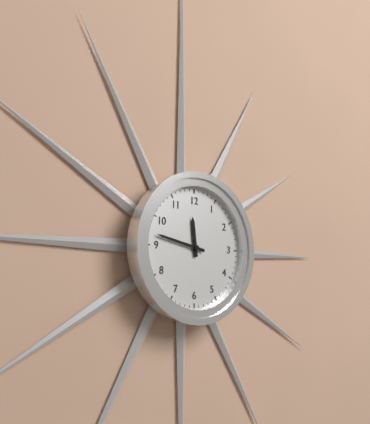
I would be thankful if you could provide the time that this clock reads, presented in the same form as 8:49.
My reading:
11:47
